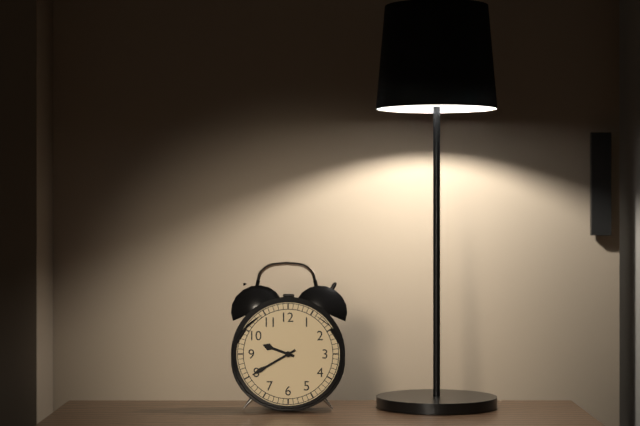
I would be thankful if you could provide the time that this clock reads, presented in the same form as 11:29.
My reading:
9:40
